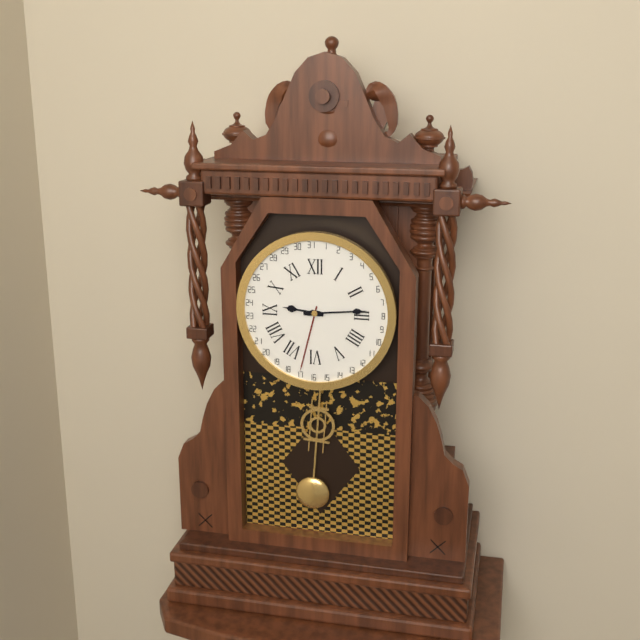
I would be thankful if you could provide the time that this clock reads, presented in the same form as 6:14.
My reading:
9:14
